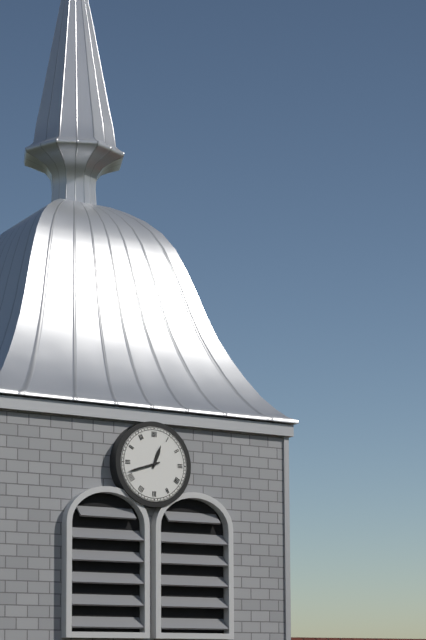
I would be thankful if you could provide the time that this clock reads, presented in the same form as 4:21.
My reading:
12:42
